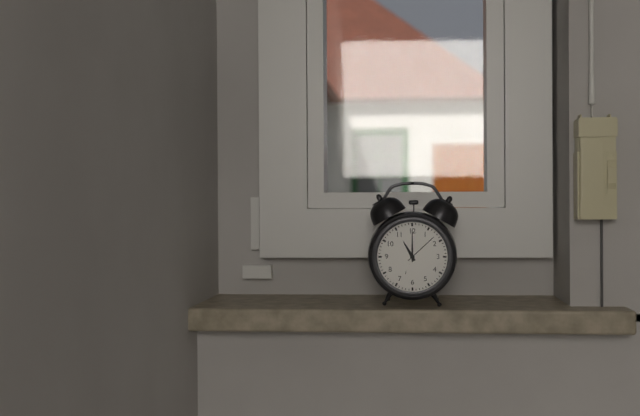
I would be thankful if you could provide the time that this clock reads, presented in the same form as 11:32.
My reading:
11:00
